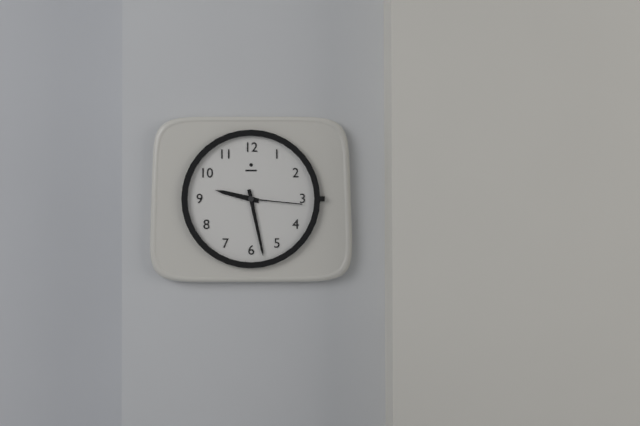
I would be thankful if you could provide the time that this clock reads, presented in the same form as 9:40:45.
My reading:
9:28:16
